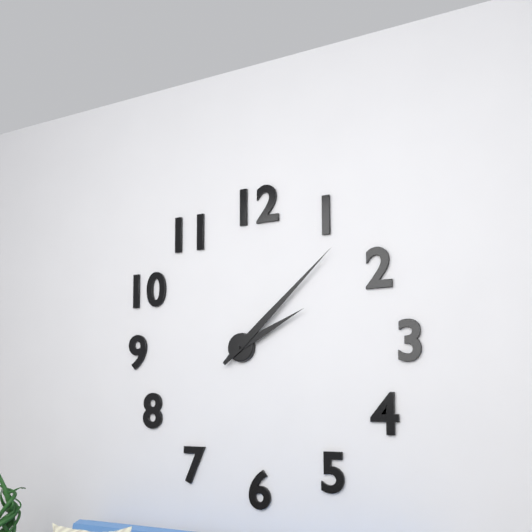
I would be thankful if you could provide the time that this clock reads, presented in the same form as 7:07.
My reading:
2:08
